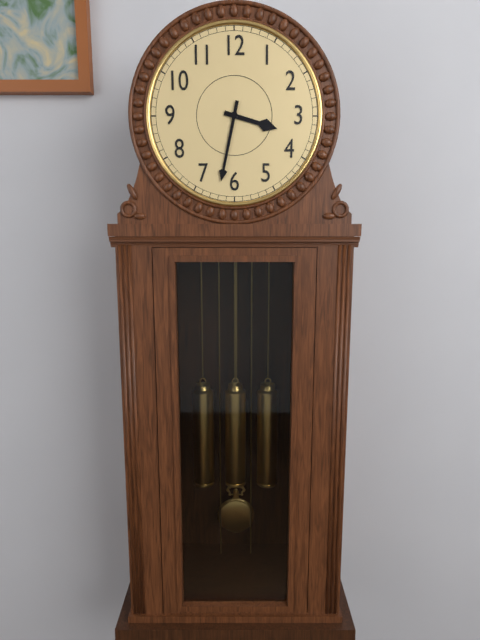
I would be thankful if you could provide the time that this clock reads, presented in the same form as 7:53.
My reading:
3:32
